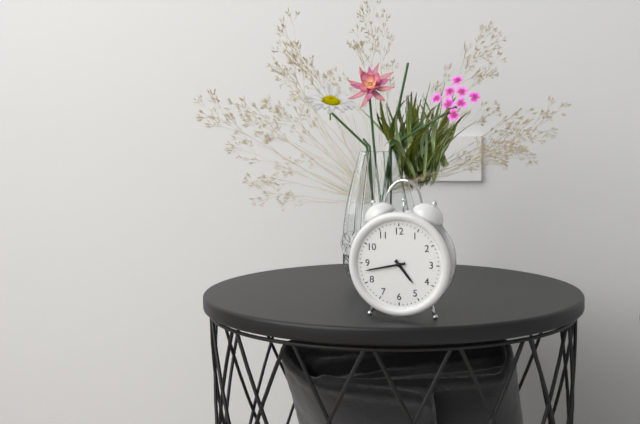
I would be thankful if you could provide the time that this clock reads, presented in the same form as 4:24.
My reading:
4:43
